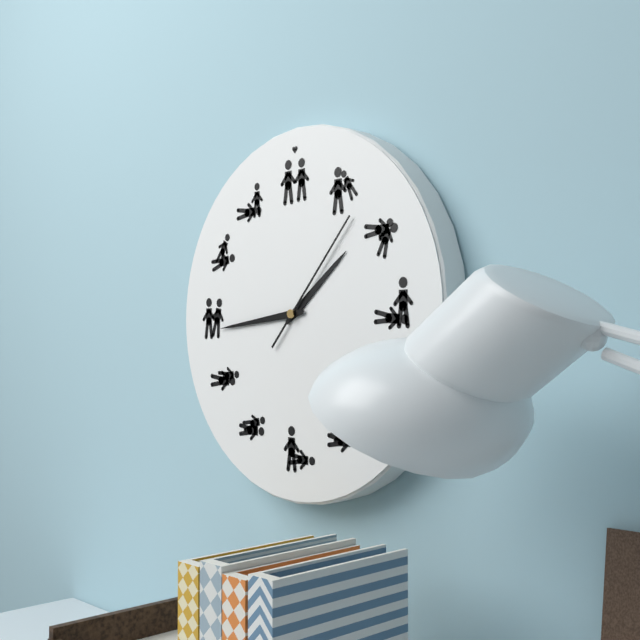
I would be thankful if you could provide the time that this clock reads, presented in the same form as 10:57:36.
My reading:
1:44:07
